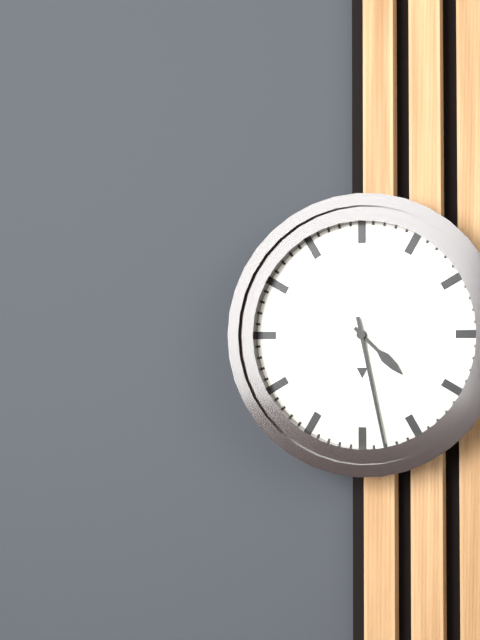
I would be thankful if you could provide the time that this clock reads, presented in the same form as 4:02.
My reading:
4:28
